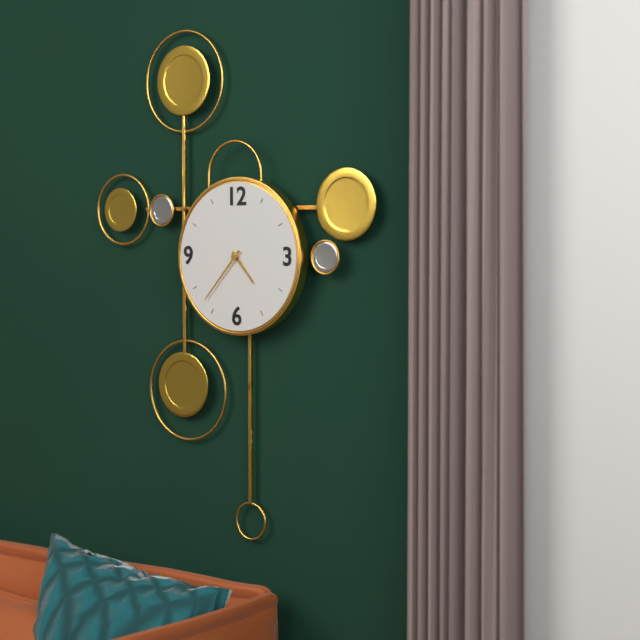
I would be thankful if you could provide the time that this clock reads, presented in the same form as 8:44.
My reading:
4:37
